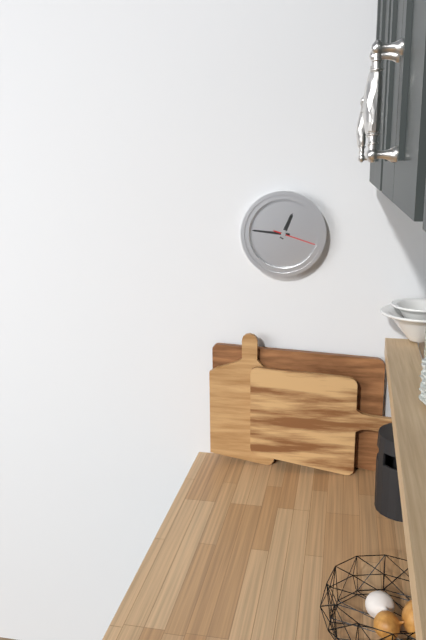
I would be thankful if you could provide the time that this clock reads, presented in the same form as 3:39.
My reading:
12:46
